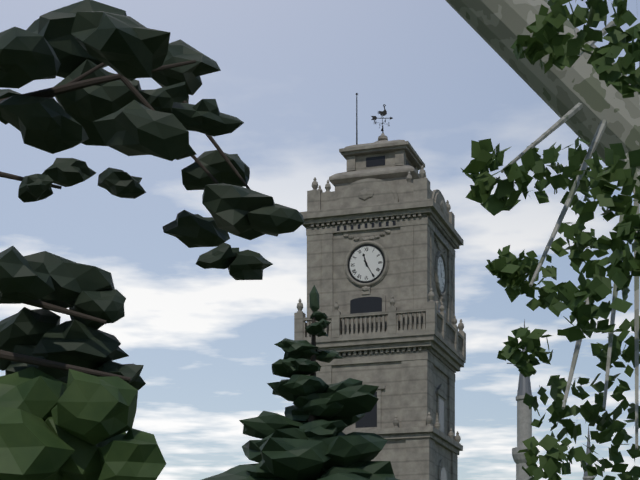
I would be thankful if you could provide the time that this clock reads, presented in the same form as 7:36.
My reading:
11:25
